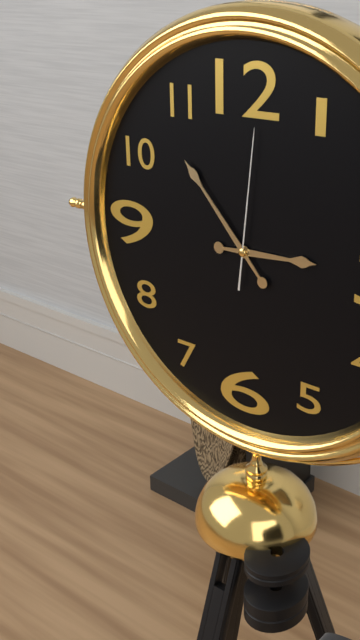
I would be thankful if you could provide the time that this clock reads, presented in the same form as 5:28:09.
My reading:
2:53:01
